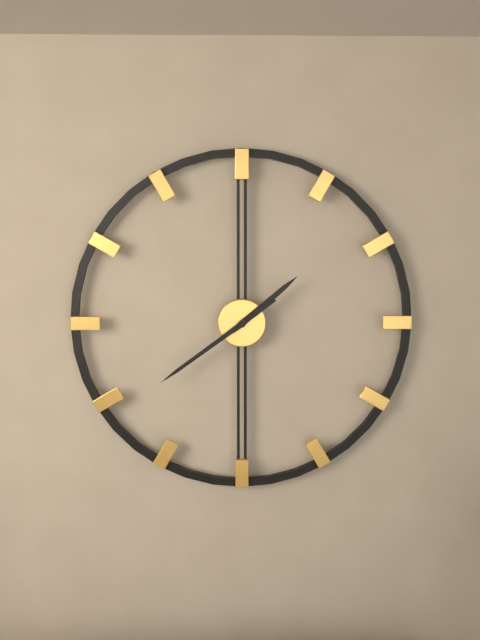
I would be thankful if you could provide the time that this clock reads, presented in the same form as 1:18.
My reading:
1:39
